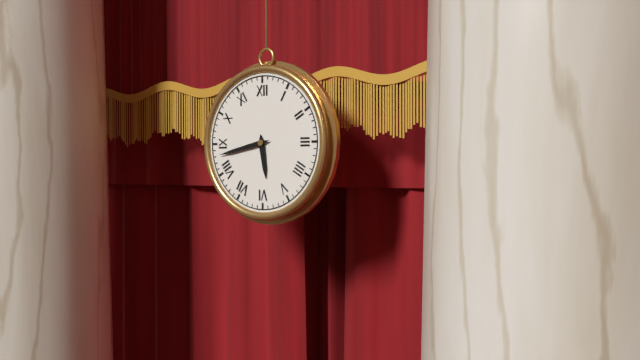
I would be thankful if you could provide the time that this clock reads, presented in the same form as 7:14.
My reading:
5:43
